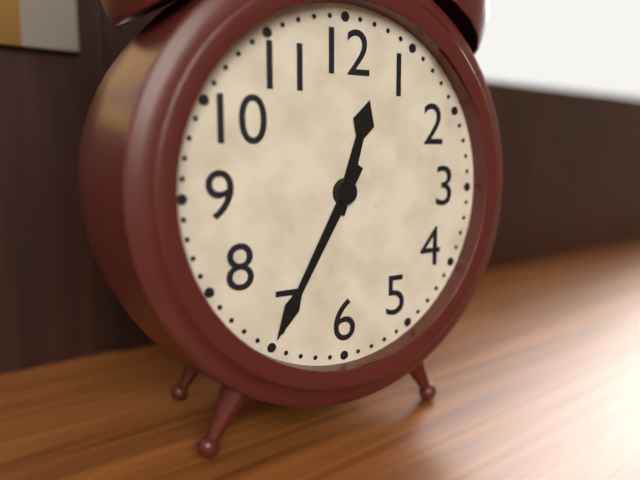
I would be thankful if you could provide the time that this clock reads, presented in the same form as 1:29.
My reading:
12:35
